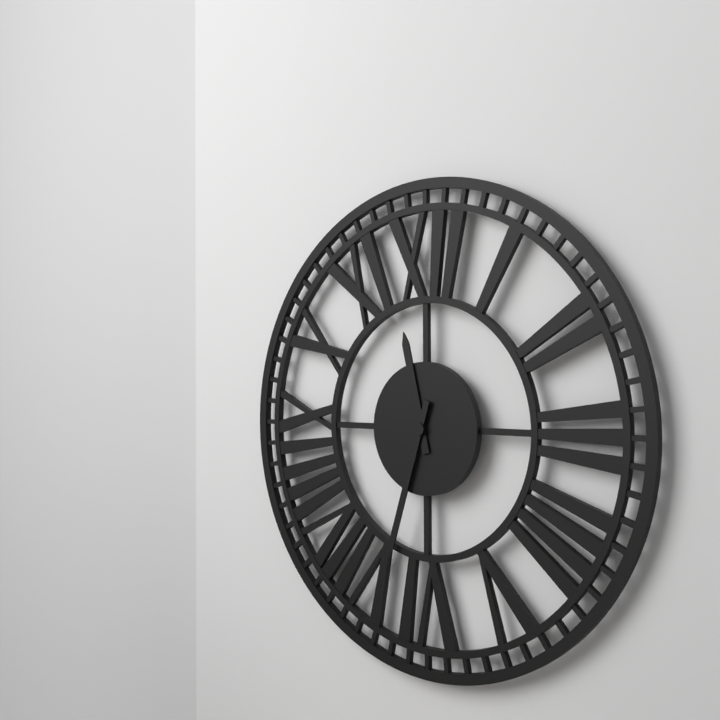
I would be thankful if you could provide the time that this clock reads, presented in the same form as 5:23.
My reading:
11:33
